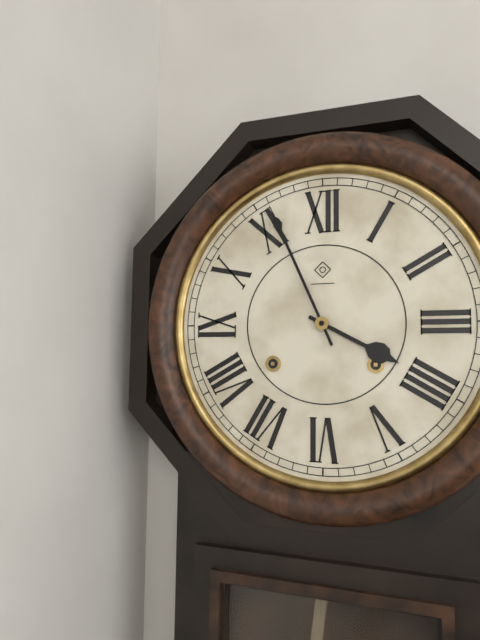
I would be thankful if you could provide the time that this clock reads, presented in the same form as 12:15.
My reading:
3:56
